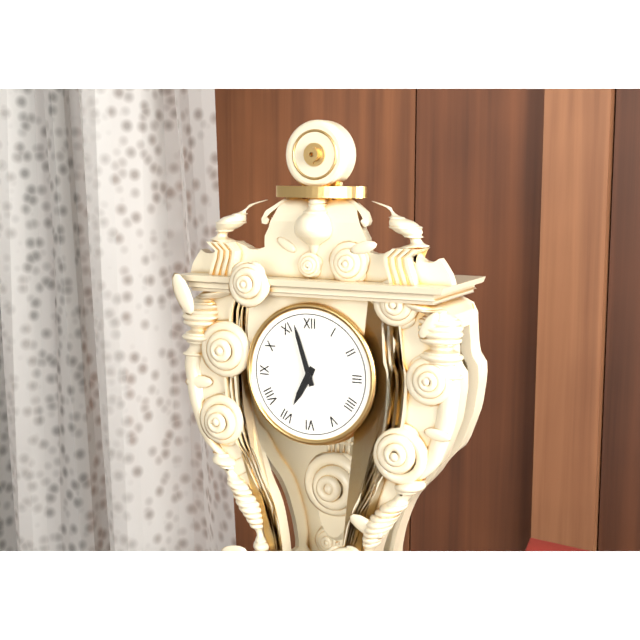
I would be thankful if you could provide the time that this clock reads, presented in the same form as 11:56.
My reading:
6:57
